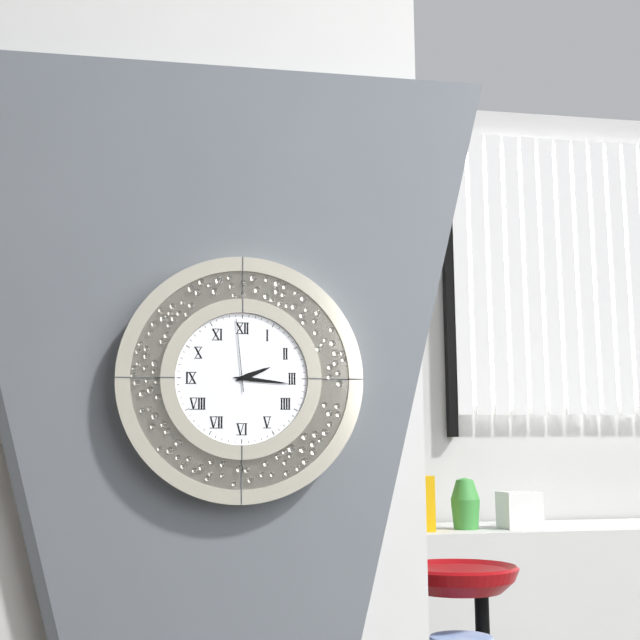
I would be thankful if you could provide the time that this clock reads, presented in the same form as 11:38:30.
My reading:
2:16:59
